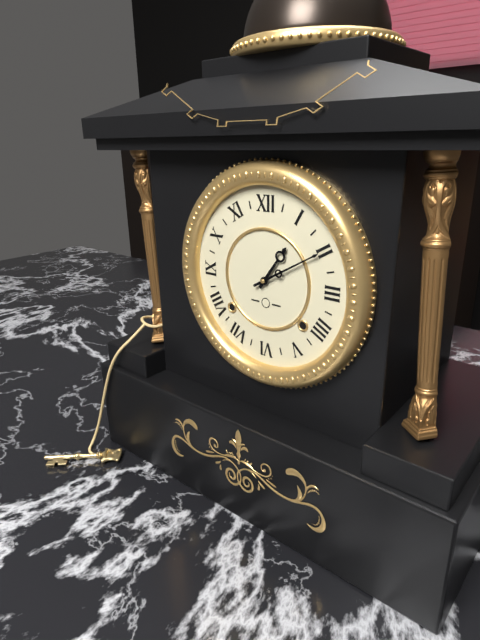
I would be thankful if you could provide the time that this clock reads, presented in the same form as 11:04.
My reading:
1:10
